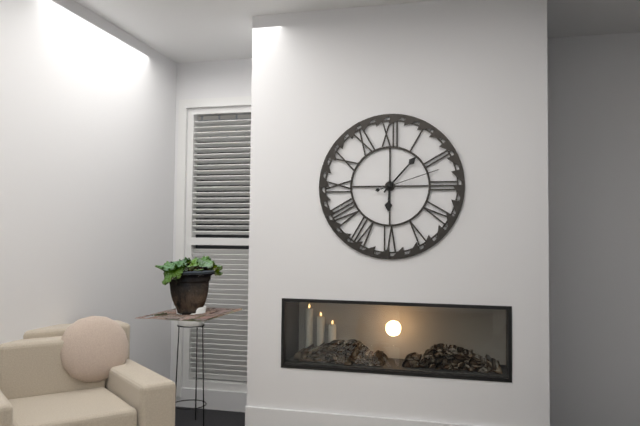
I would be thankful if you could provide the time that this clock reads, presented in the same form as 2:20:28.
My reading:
6:07:12
